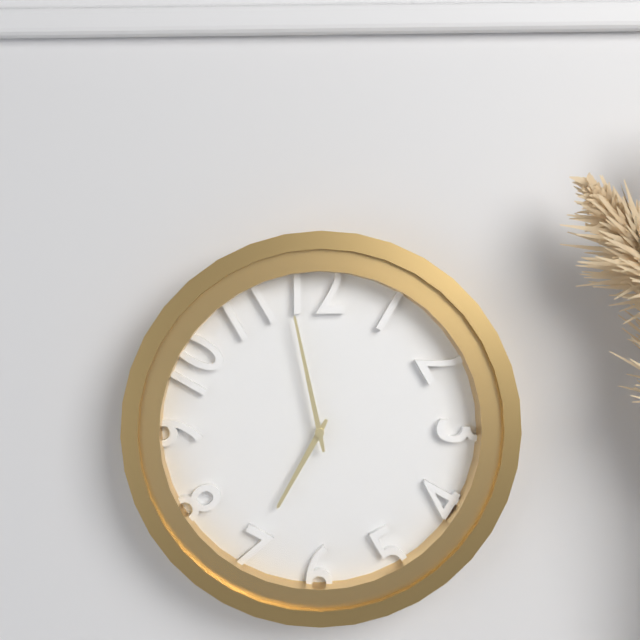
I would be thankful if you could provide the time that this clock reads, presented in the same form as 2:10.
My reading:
6:58
